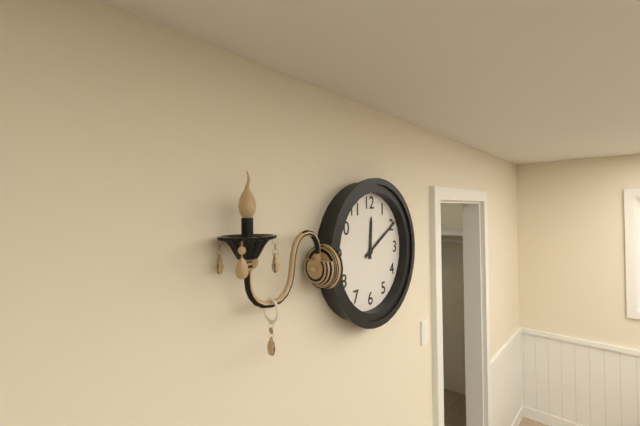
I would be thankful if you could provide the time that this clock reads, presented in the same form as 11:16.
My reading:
12:10
